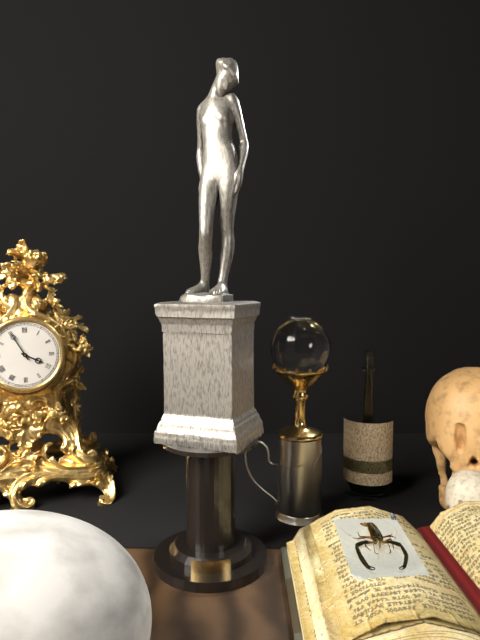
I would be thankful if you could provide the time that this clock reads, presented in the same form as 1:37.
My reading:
3:55
